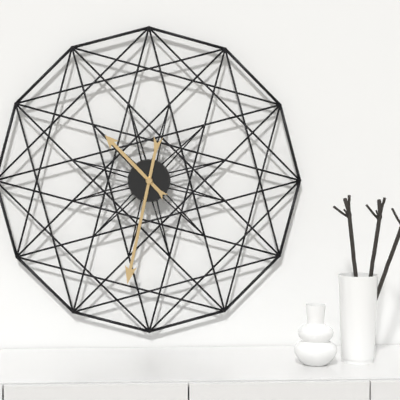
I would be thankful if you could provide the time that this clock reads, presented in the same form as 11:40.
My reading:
10:32
